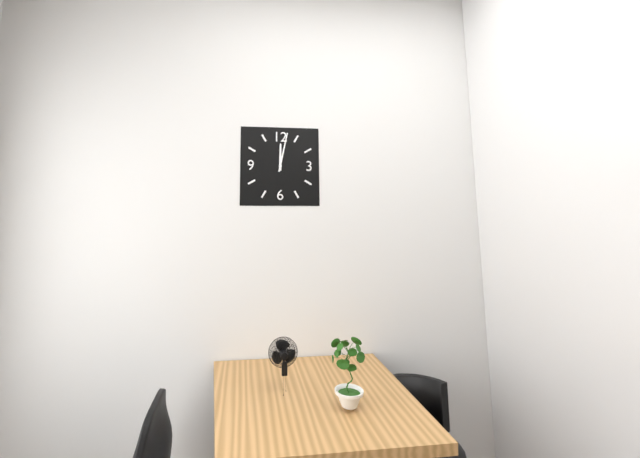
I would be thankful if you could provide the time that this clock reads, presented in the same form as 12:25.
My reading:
12:02
